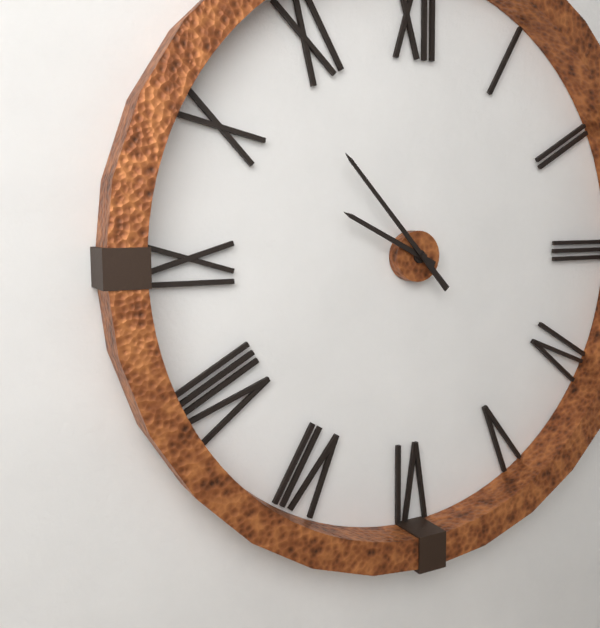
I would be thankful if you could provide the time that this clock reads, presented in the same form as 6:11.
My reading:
9:53
